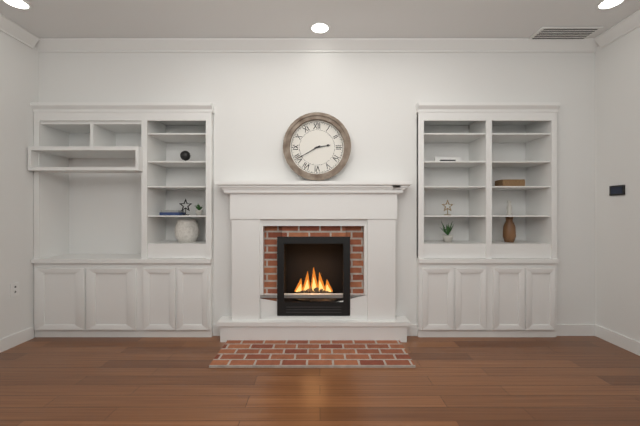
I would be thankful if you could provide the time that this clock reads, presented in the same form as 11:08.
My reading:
2:40
